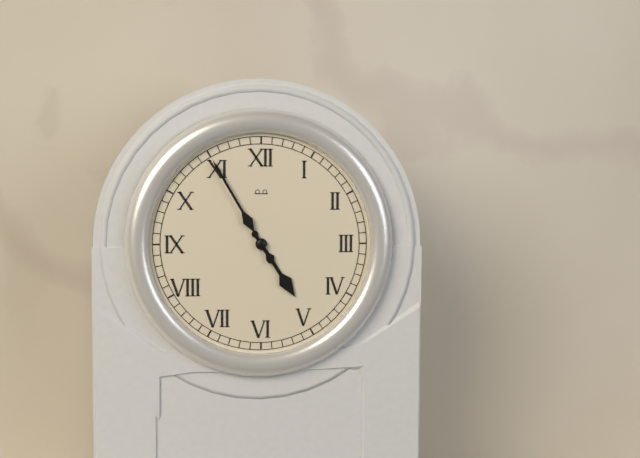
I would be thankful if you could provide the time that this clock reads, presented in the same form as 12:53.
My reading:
4:55
